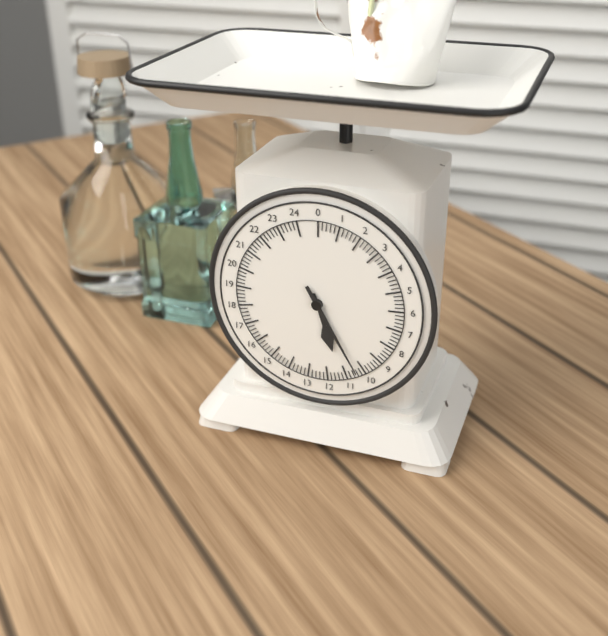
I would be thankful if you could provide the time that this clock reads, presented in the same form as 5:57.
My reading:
5:25
